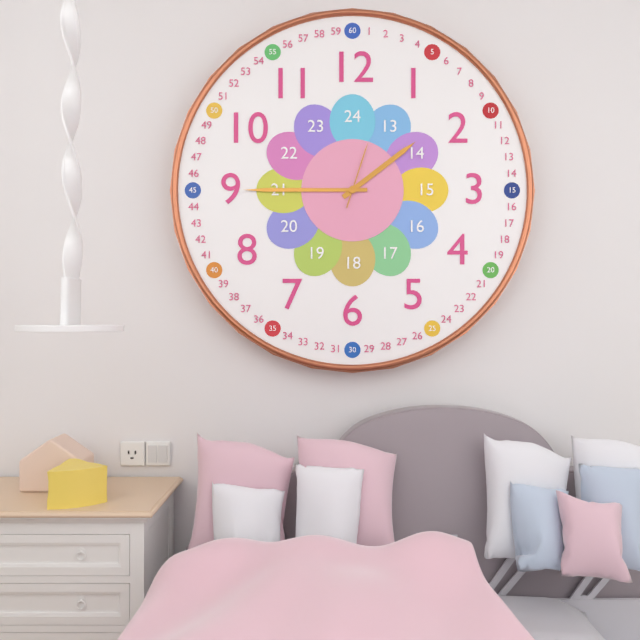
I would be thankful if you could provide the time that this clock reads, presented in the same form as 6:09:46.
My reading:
1:45:03
